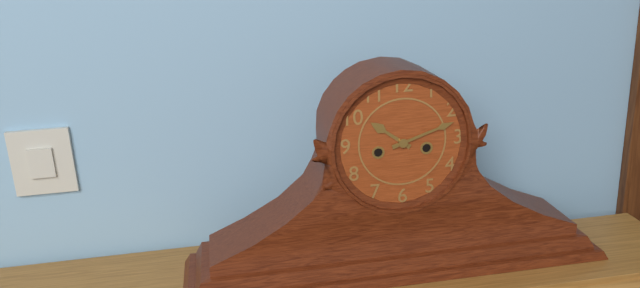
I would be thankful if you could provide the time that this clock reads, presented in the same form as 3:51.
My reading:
10:12
